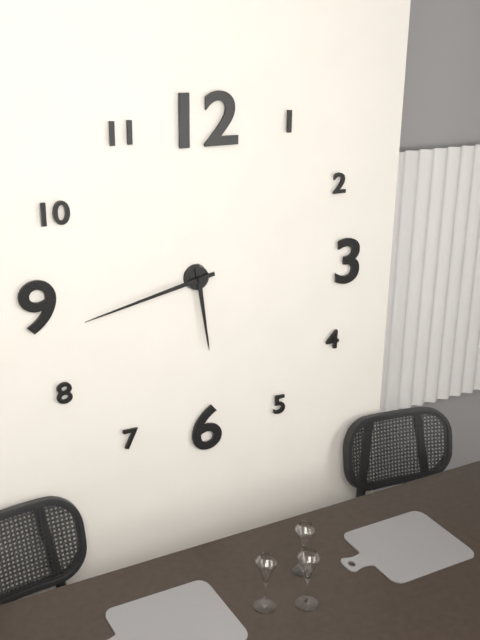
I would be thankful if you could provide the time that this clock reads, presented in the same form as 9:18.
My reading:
5:43
